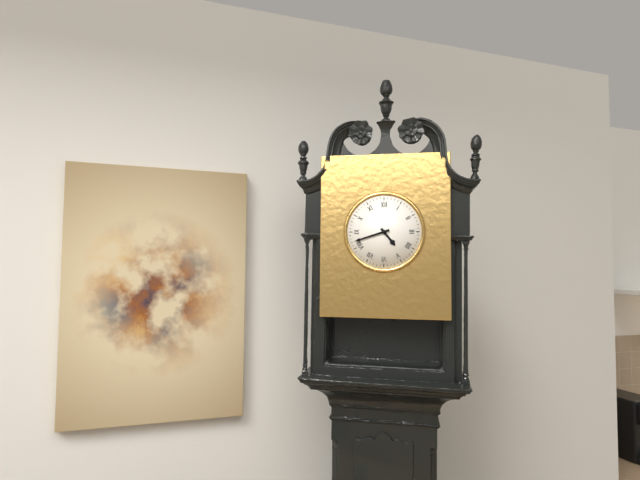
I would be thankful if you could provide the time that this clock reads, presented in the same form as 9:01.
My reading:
4:42
